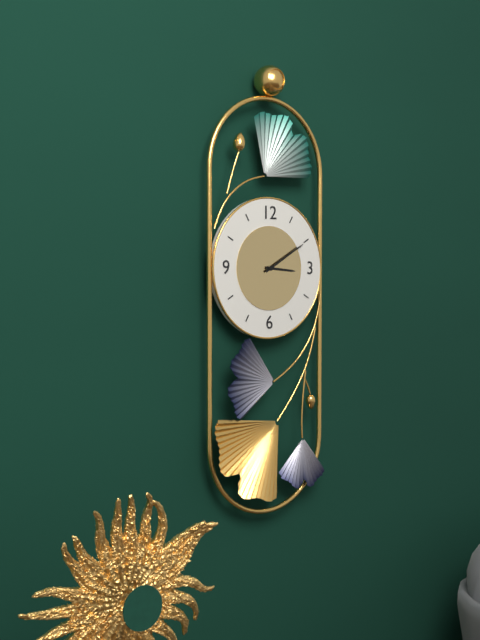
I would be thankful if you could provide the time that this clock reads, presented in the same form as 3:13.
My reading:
3:10
